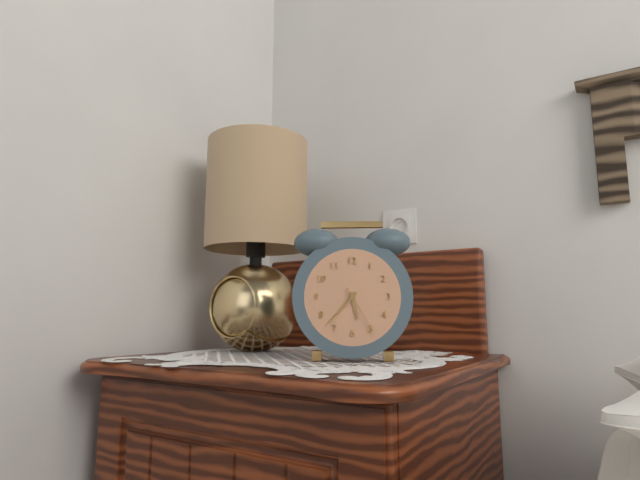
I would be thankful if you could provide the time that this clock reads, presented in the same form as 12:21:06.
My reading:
5:37:25
